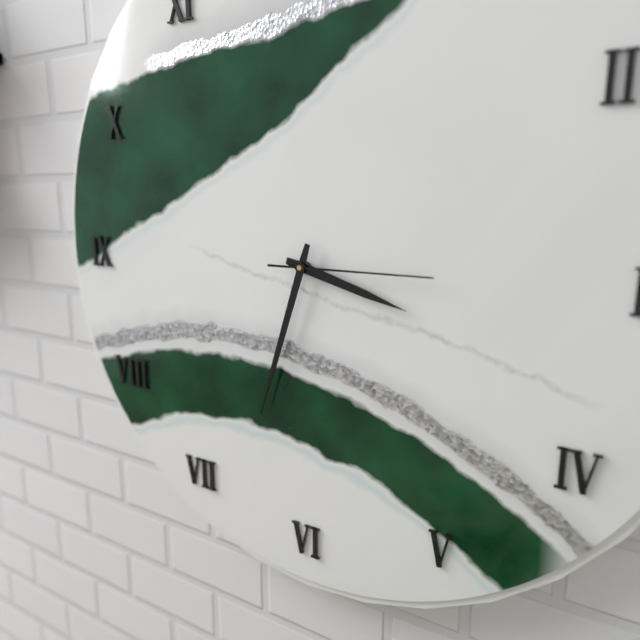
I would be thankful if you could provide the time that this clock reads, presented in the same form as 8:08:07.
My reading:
3:33:15
